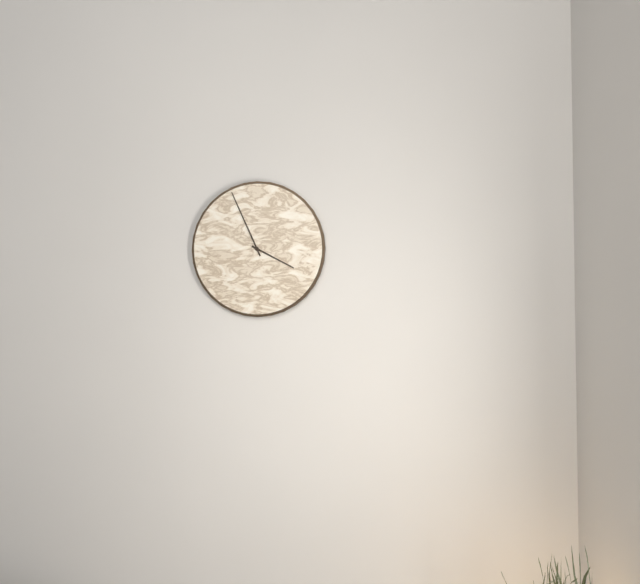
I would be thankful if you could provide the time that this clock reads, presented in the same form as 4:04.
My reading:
3:56
